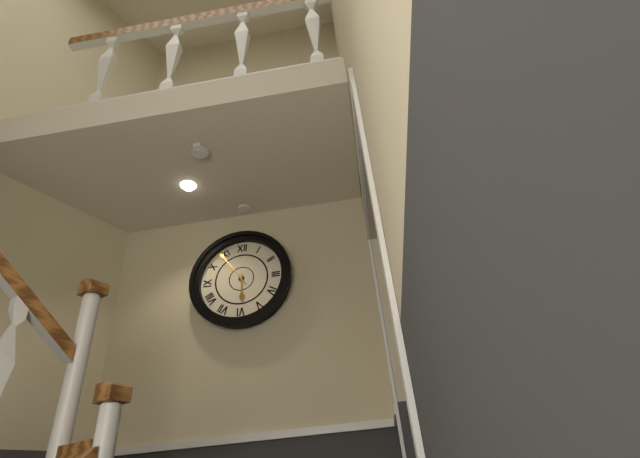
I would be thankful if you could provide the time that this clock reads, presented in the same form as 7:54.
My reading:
5:54
